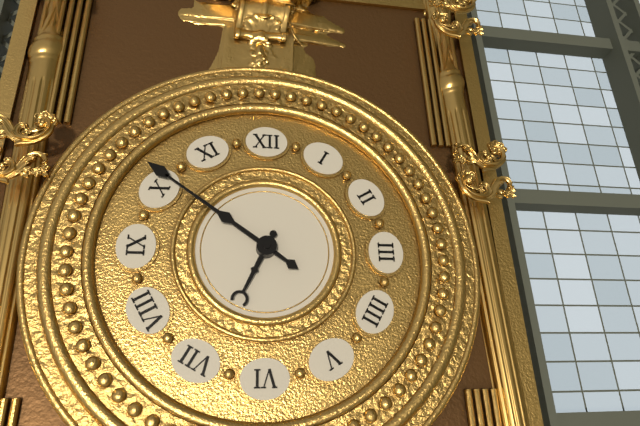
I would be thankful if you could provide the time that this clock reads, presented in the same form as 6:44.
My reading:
6:51
